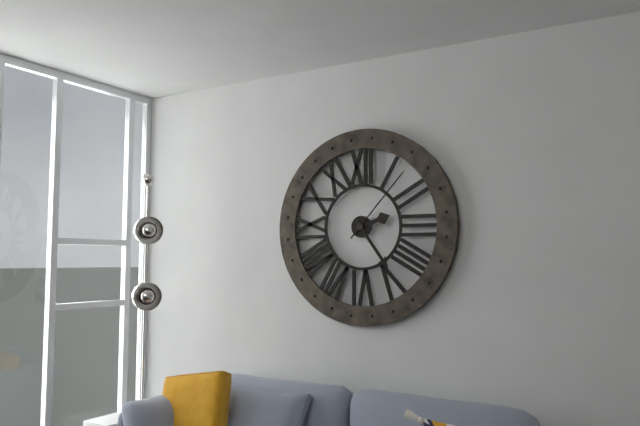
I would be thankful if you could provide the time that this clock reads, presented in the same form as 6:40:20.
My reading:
2:24:07
